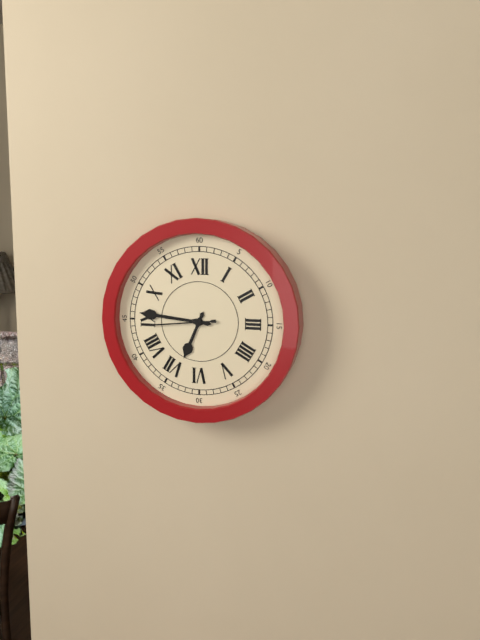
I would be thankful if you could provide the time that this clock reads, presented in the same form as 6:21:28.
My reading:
6:46:44
